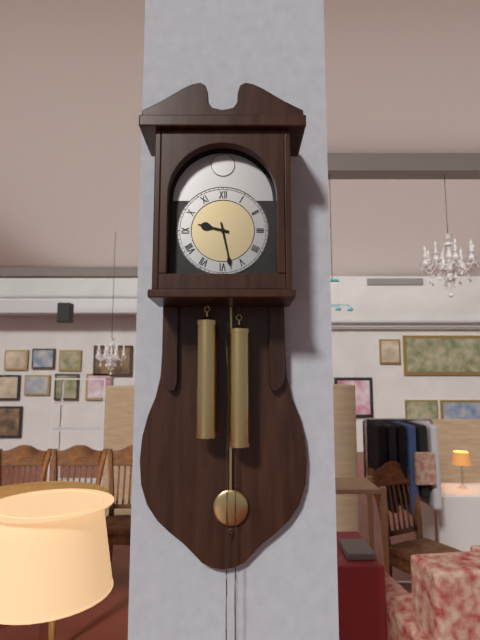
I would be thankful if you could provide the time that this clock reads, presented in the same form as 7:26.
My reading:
9:28
